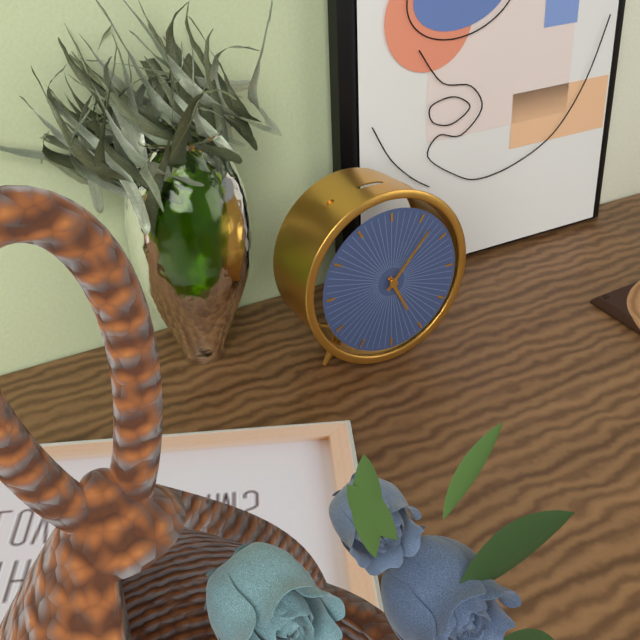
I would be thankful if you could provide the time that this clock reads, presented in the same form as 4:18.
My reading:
5:07
